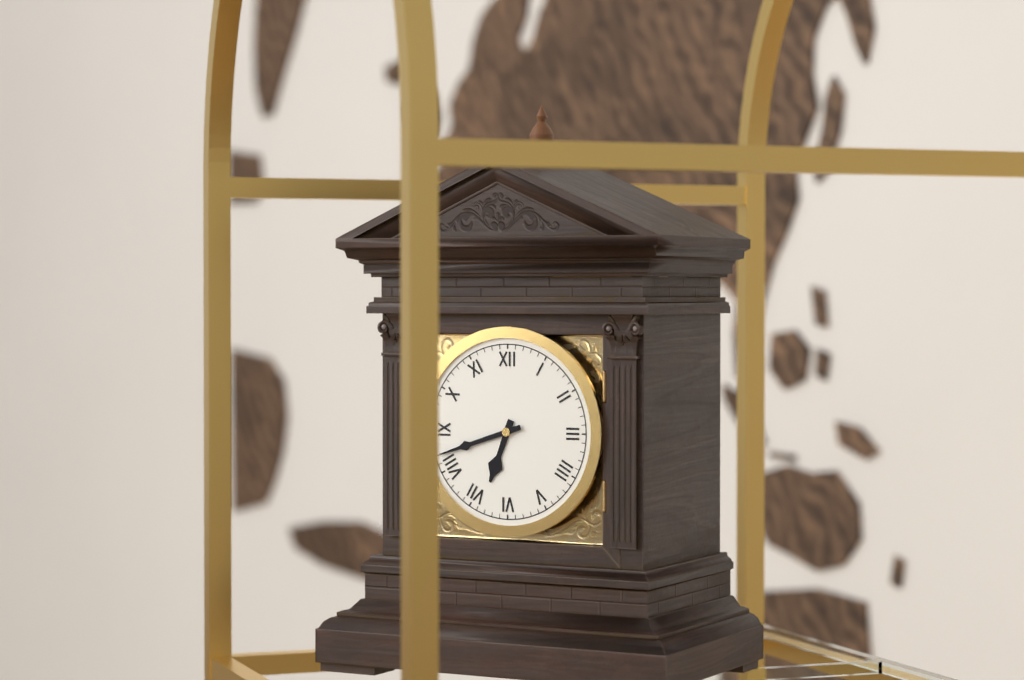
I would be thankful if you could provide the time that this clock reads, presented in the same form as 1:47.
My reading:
6:42
